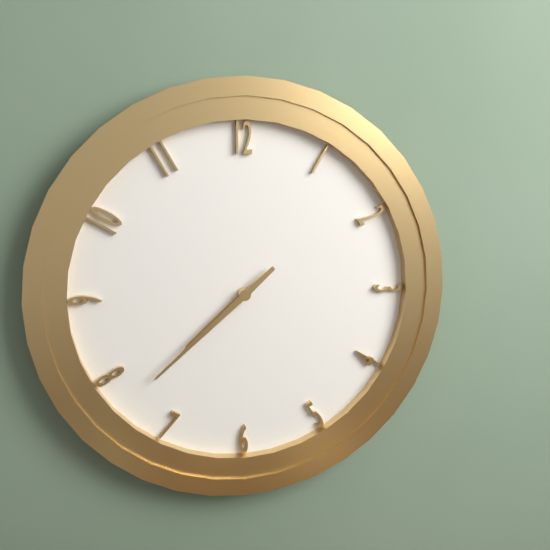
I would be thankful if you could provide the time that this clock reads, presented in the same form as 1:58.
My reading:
7:38
